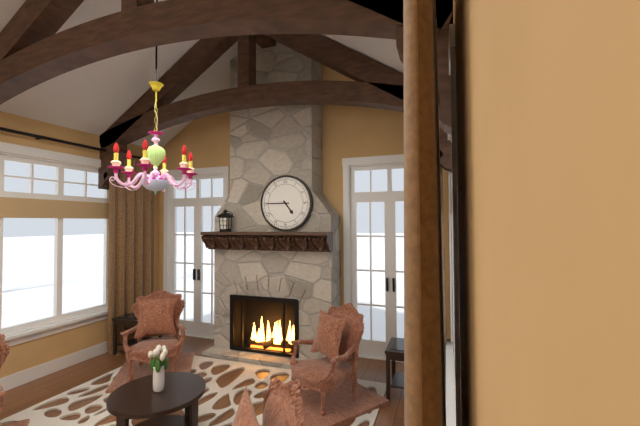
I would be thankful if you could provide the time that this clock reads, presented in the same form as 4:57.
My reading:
4:45
